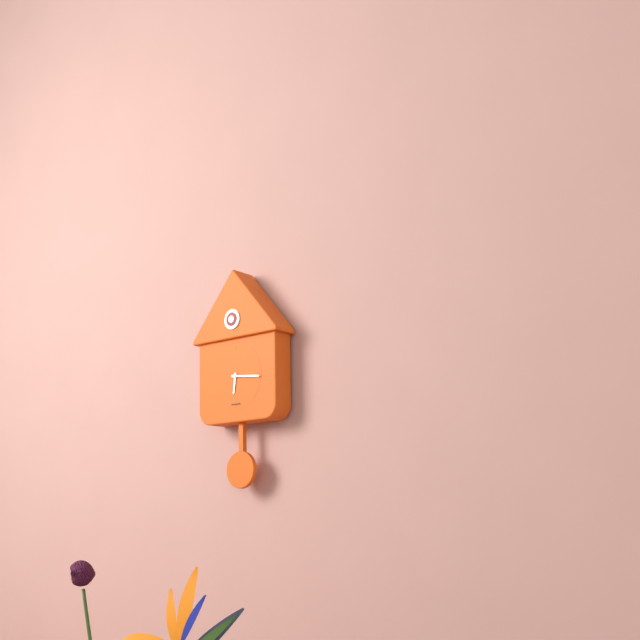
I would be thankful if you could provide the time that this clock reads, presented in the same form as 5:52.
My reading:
6:16
